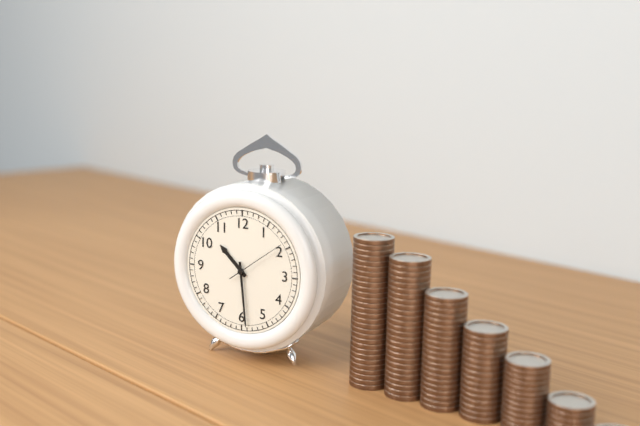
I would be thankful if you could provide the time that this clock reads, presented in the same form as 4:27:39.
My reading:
10:29:09
